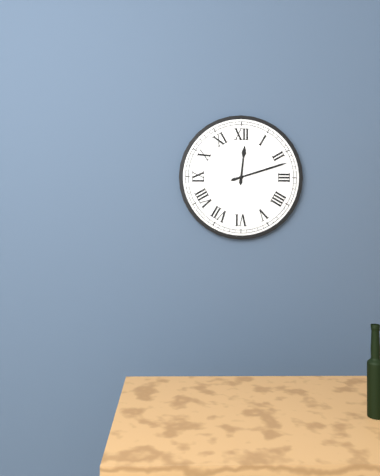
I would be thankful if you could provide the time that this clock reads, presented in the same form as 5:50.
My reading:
12:12
